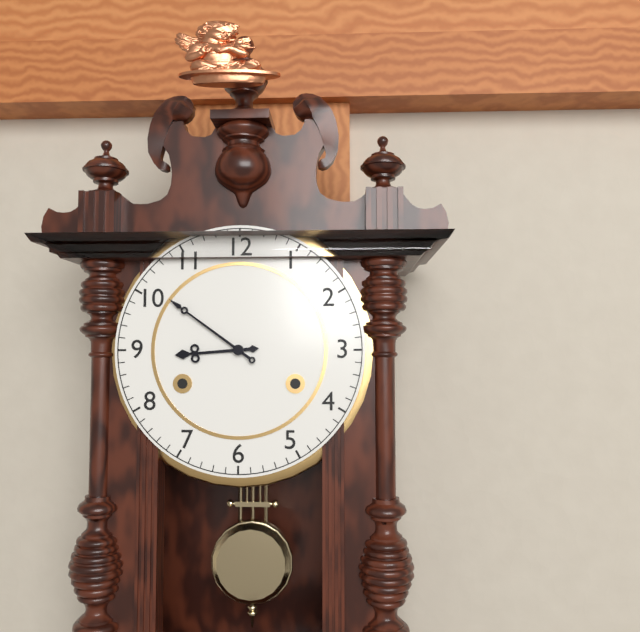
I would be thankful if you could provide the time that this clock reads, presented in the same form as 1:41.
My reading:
8:51
